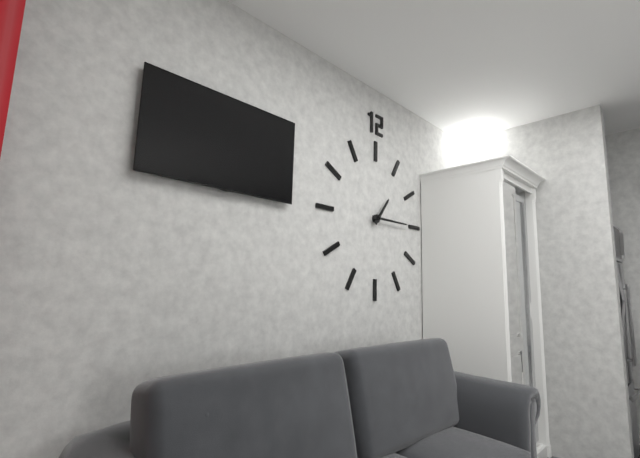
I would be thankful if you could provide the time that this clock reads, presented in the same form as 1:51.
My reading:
1:15
